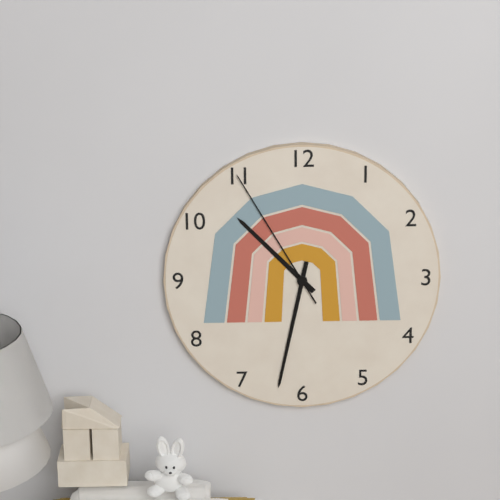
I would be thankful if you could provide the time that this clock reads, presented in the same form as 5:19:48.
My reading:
10:32:55
